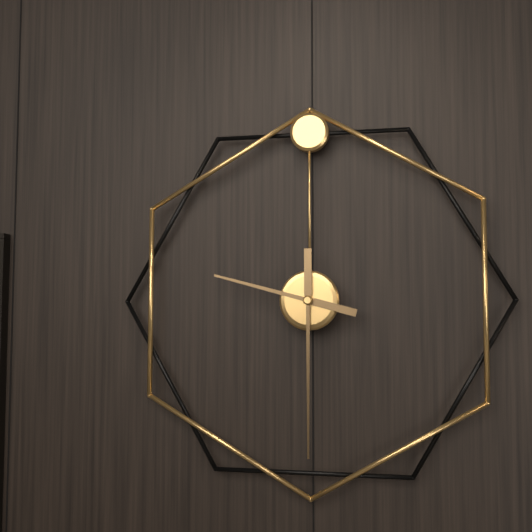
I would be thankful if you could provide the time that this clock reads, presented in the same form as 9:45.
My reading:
9:30
